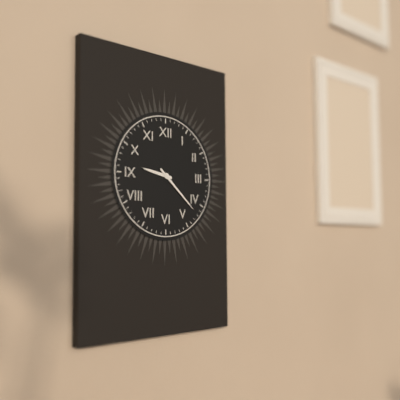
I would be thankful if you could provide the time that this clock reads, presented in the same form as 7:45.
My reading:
9:22
